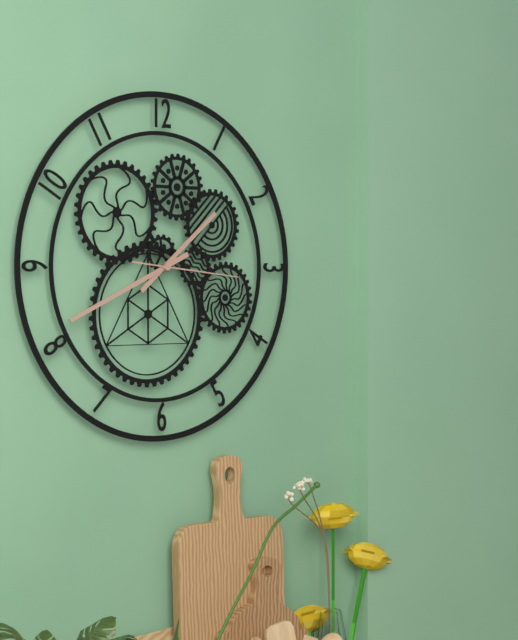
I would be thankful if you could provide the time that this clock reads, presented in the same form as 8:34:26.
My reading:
1:41:16
